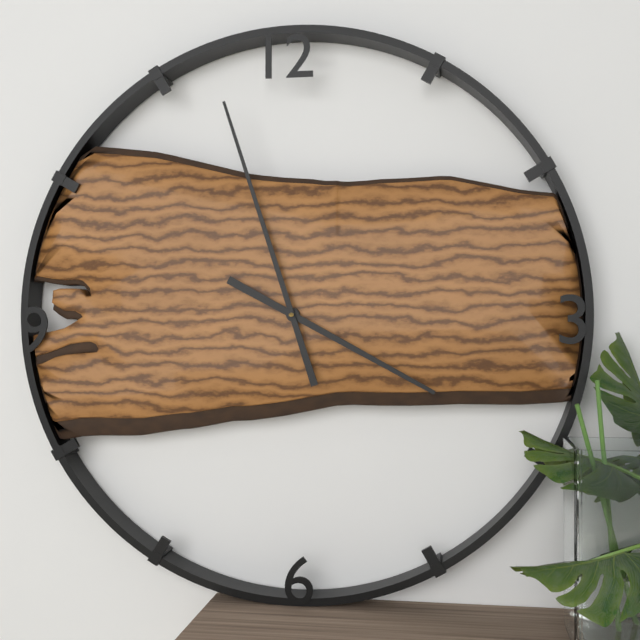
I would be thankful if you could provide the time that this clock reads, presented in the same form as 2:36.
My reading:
3:57
